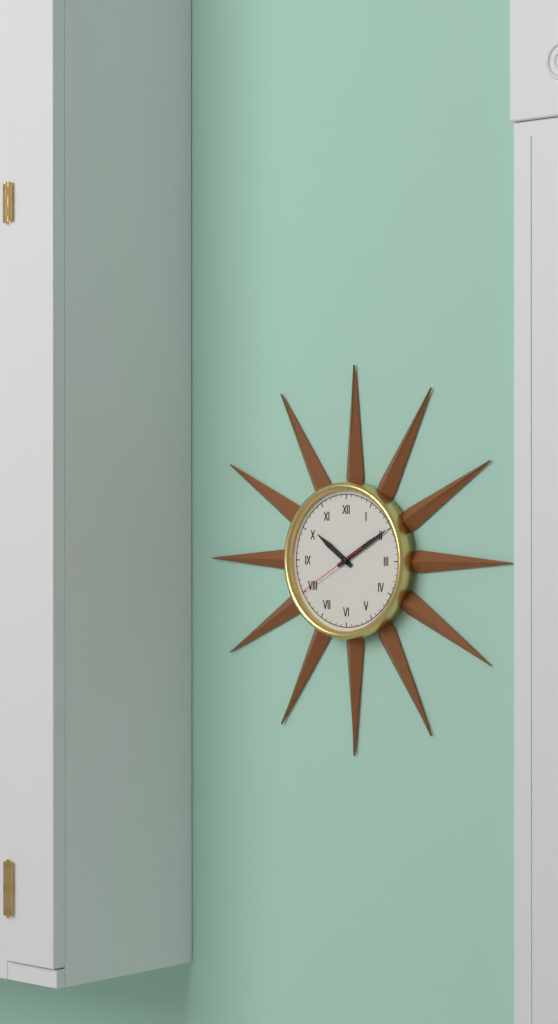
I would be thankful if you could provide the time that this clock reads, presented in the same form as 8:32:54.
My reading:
10:10:40
